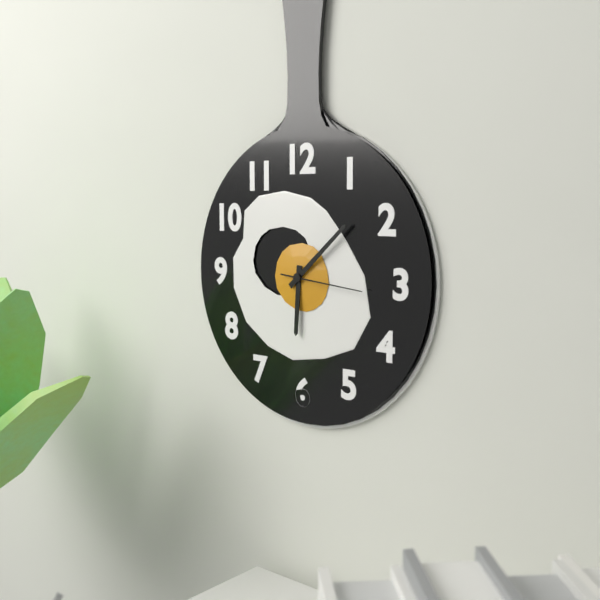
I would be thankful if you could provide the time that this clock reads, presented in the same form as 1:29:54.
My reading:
6:08:16
